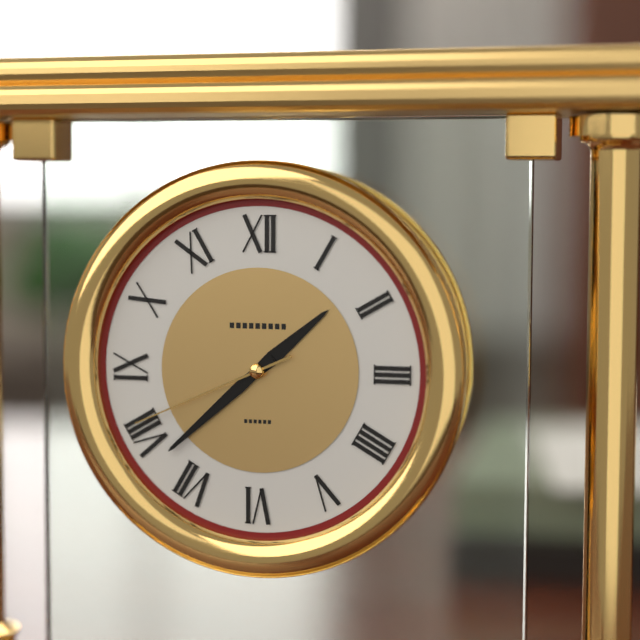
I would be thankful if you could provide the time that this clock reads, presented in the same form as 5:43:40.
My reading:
1:38:41
